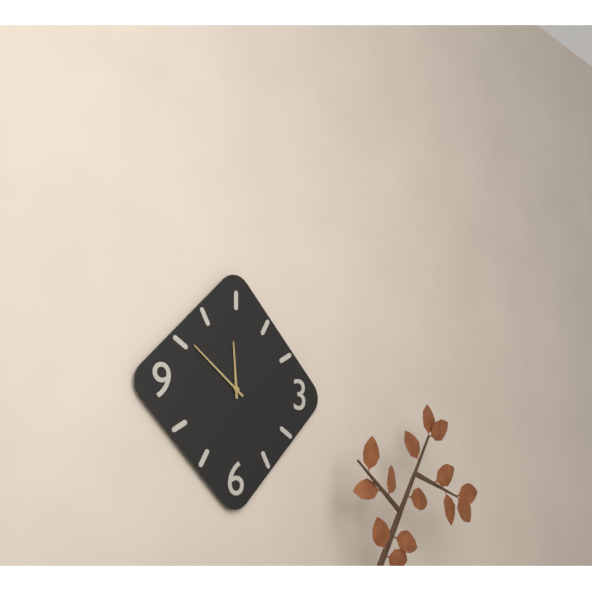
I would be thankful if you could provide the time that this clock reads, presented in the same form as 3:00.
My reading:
11:51
